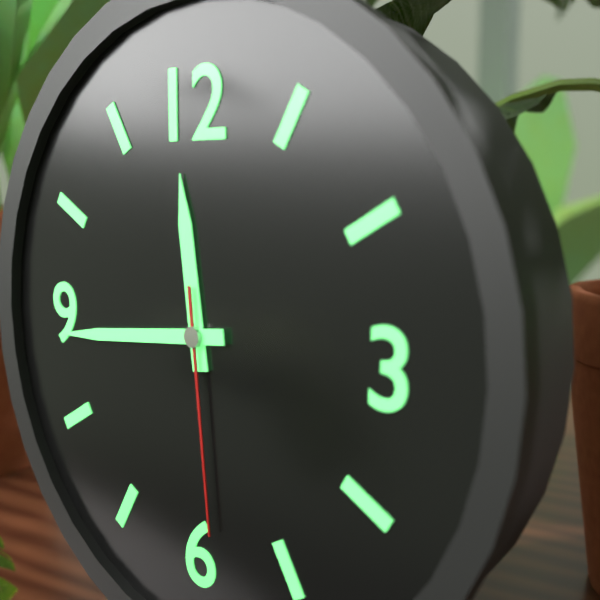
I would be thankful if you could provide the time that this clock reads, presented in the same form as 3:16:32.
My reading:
11:44:29
